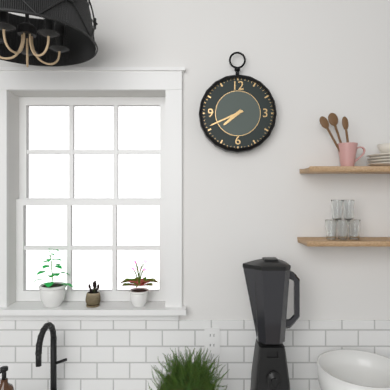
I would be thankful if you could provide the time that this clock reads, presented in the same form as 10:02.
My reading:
7:41
